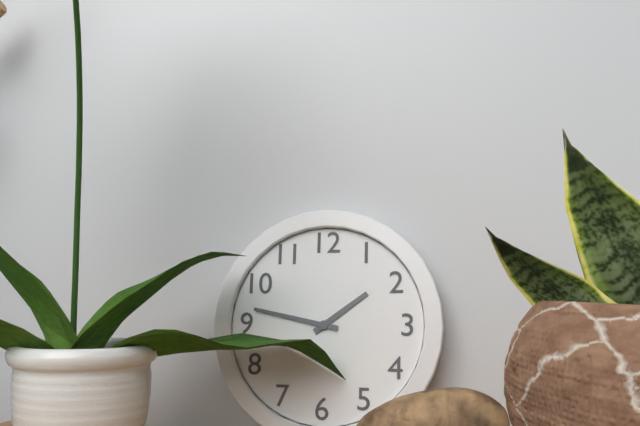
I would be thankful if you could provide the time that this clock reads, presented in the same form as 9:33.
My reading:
1:47
